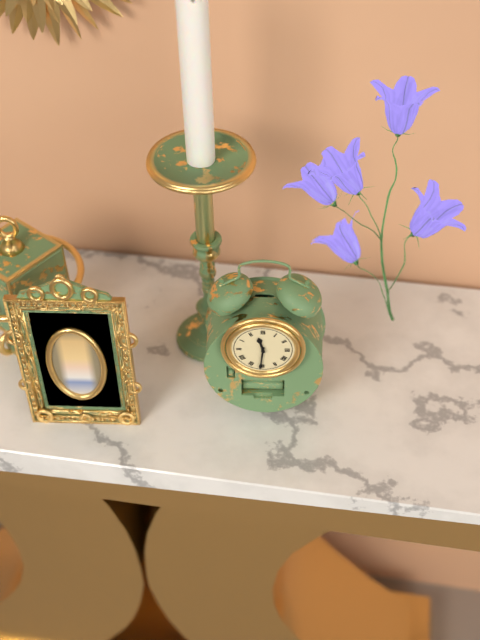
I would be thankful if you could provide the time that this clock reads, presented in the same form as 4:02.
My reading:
11:31
